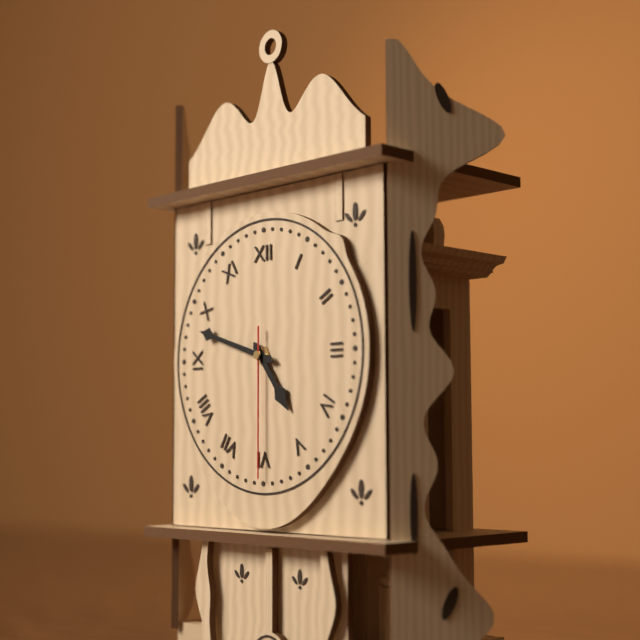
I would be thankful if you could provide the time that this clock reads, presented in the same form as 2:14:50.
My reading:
4:48:30
